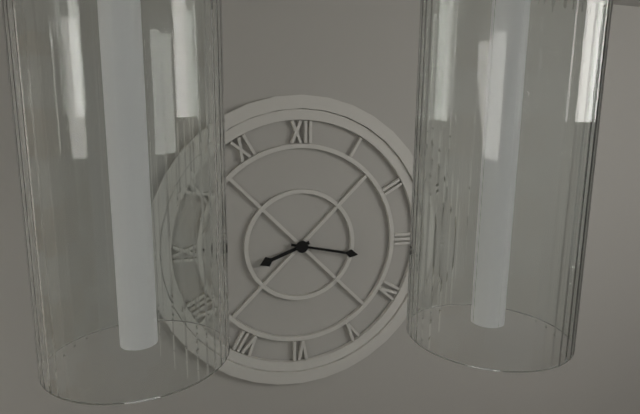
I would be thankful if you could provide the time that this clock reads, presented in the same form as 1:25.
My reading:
8:17
